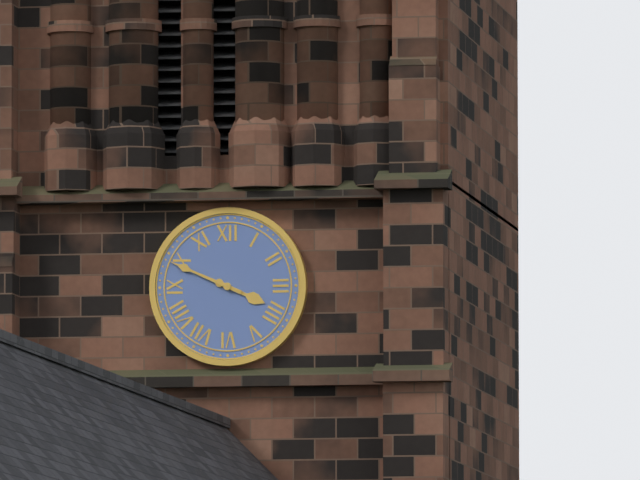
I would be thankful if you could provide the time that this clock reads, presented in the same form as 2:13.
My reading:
3:49
